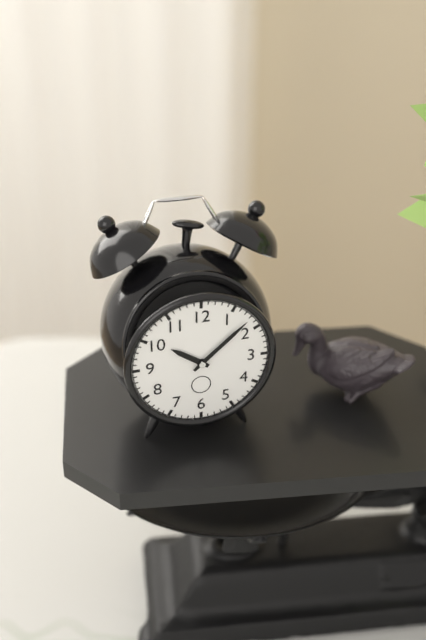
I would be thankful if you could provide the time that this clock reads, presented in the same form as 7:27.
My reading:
10:08
